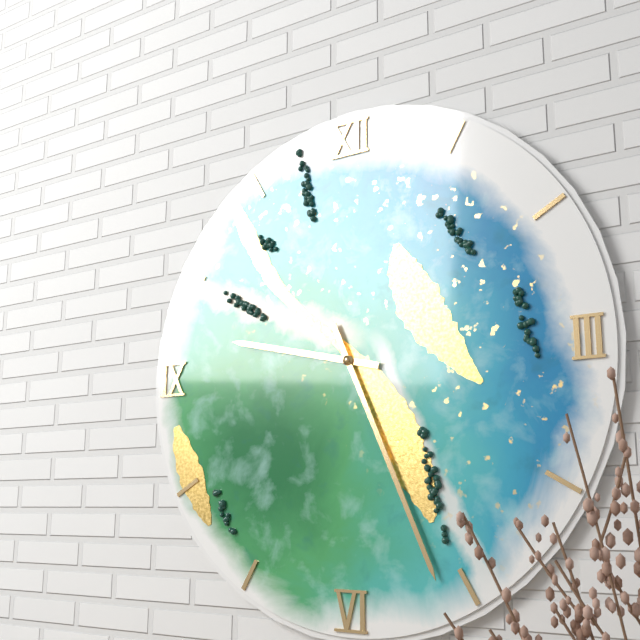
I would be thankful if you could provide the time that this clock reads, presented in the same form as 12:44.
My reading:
9:26
